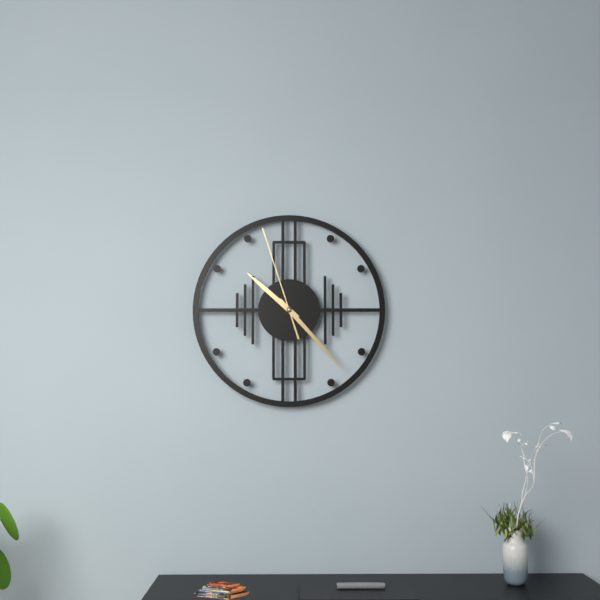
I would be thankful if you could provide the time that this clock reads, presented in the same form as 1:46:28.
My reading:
10:23:57
